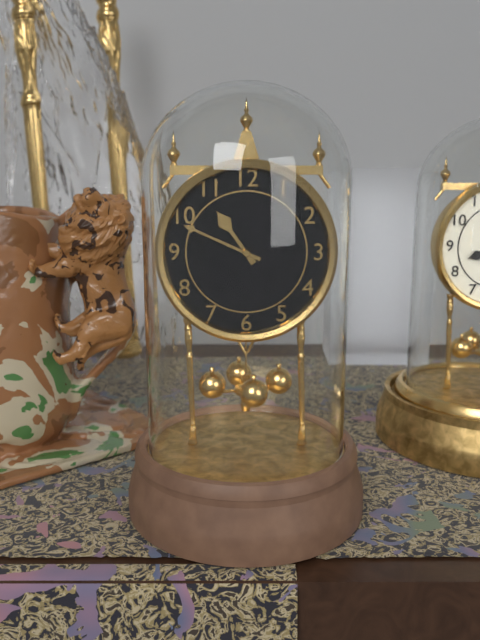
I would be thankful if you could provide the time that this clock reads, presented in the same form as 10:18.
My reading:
10:49
